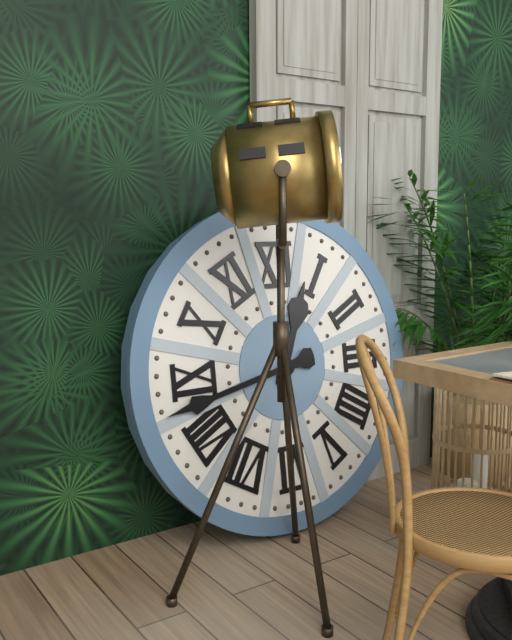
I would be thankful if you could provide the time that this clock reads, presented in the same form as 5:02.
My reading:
12:43
